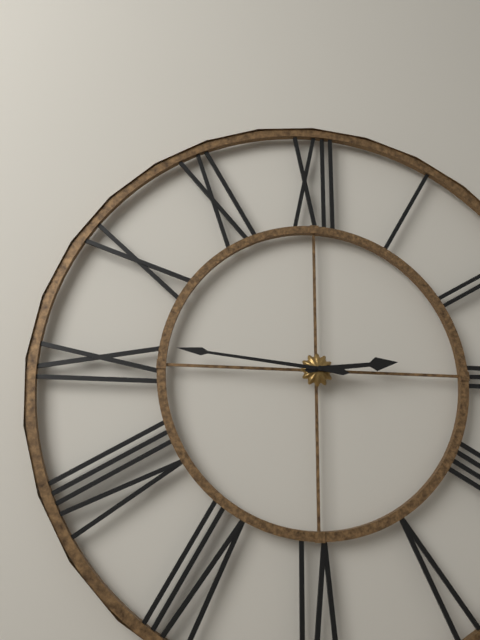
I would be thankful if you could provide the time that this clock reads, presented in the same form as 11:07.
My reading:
2:46
